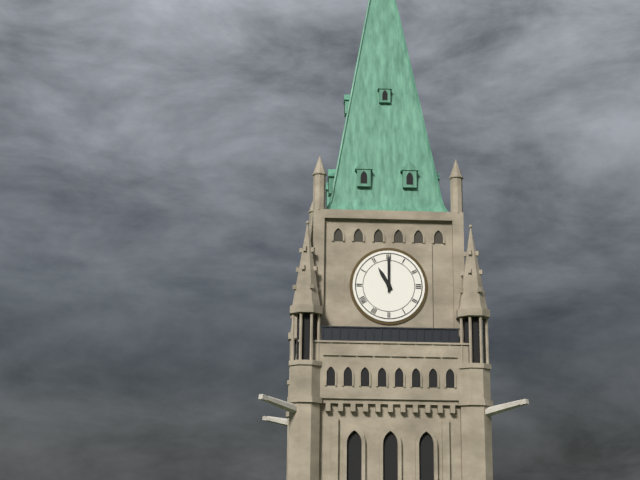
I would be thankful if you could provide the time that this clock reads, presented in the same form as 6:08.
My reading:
11:00
